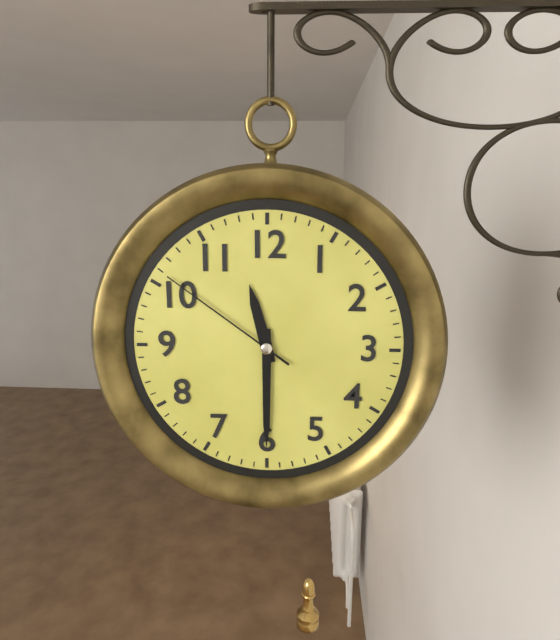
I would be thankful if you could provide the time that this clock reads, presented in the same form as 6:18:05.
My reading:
11:30:51
